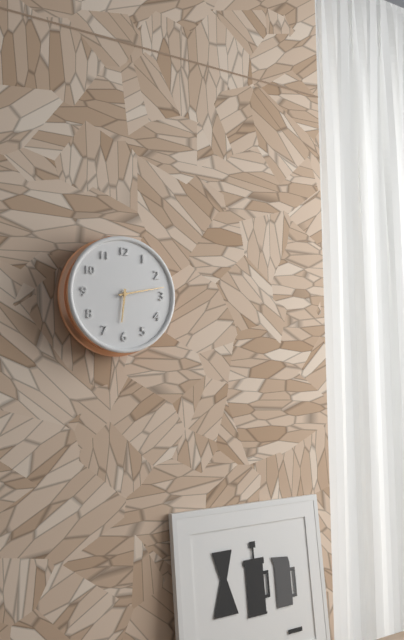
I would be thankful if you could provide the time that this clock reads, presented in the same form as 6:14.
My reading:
6:13
